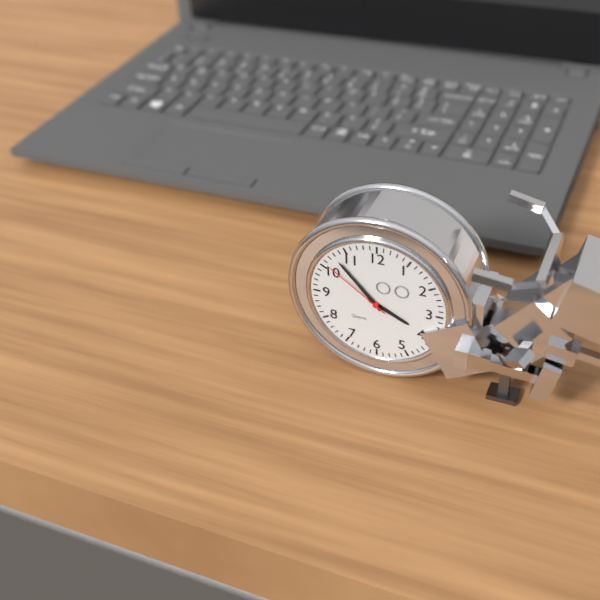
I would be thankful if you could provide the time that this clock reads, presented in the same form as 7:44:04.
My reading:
3:53:51
